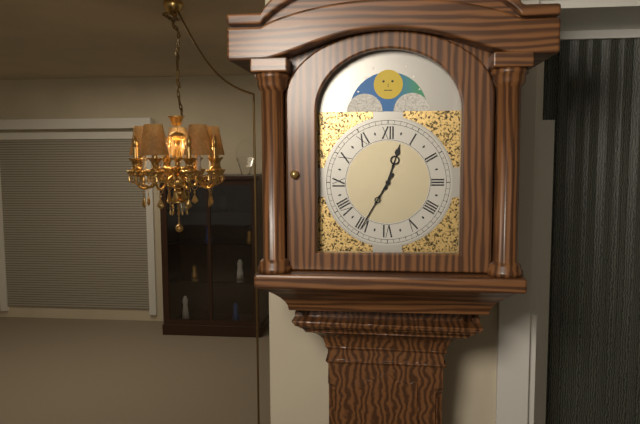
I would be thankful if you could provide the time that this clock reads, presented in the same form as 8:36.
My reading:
12:35
